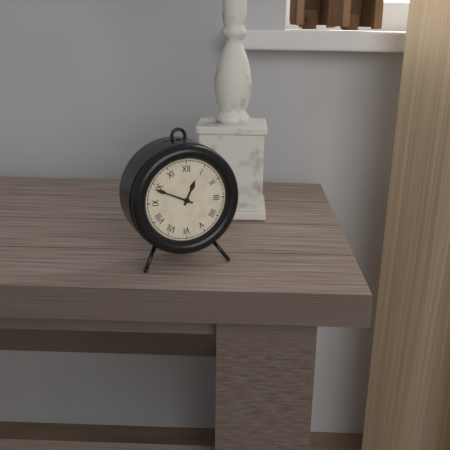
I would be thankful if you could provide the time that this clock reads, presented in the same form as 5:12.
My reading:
12:49
